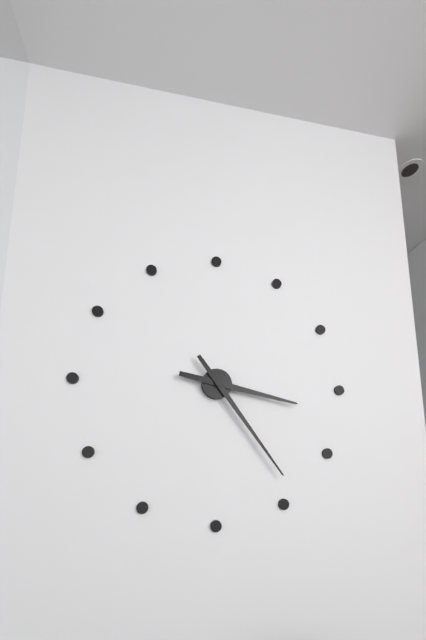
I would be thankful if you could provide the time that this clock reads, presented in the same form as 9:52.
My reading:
3:24
